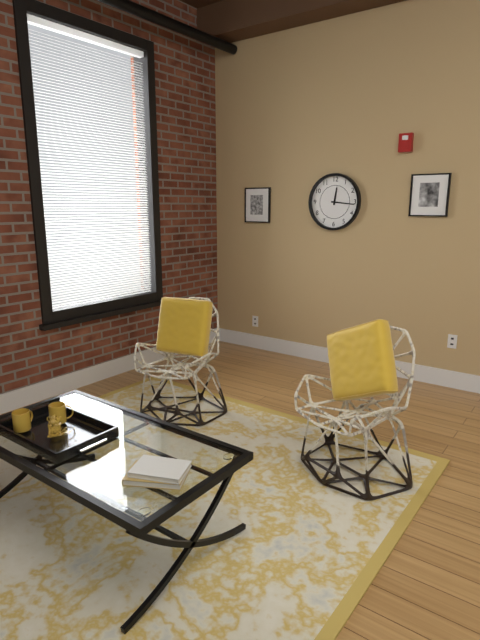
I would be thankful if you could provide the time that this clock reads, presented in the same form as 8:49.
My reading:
12:16
